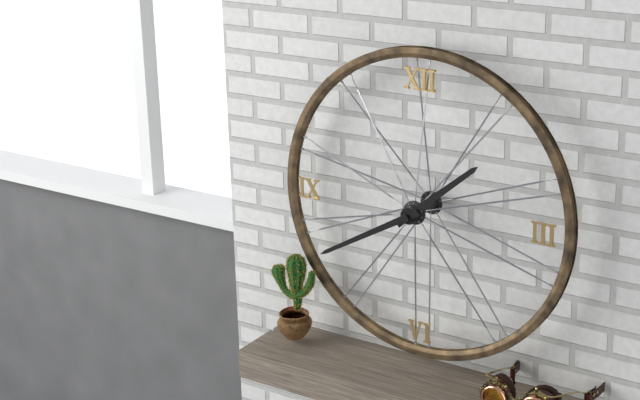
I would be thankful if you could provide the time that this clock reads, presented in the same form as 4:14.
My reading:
1:40
